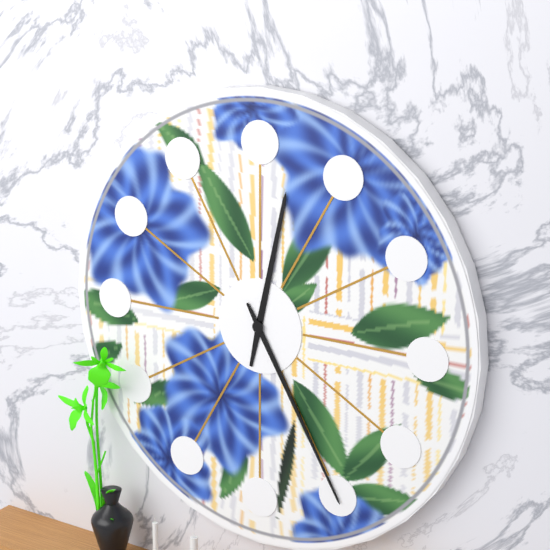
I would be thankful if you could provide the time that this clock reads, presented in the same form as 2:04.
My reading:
12:25
